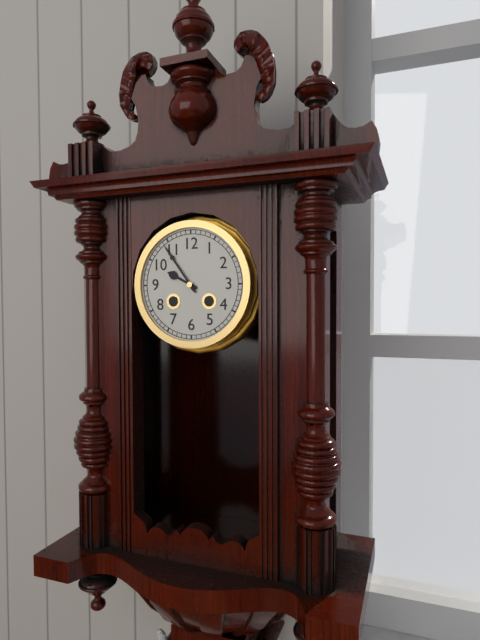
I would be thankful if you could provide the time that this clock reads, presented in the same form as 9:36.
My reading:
9:54
